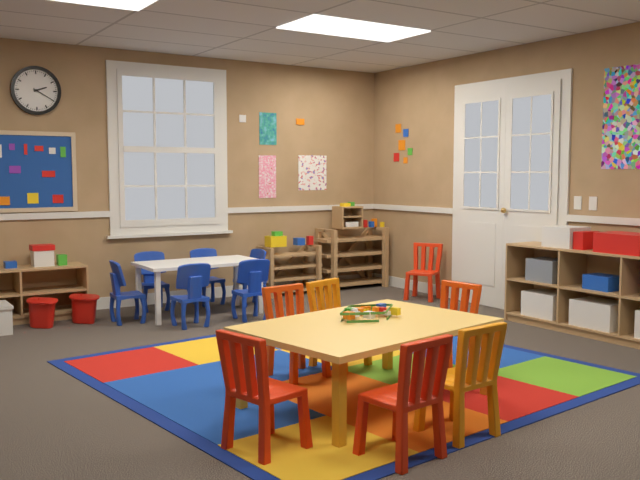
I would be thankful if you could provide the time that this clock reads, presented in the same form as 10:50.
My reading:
2:20
